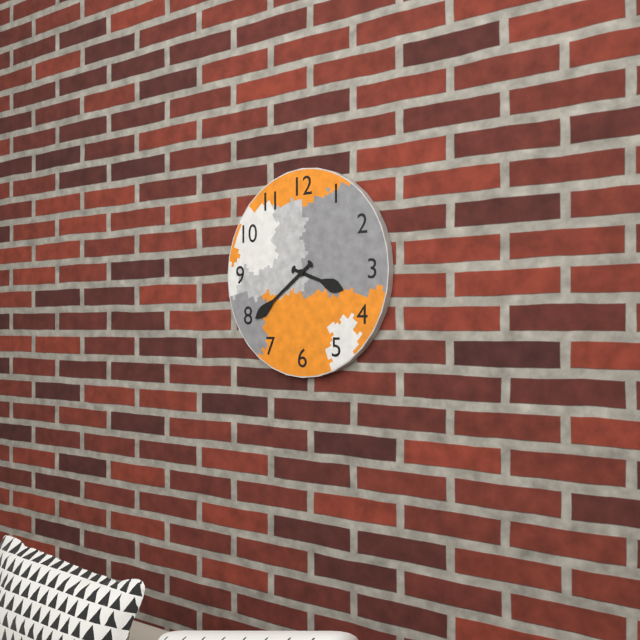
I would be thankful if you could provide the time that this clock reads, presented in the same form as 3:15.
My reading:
3:39
